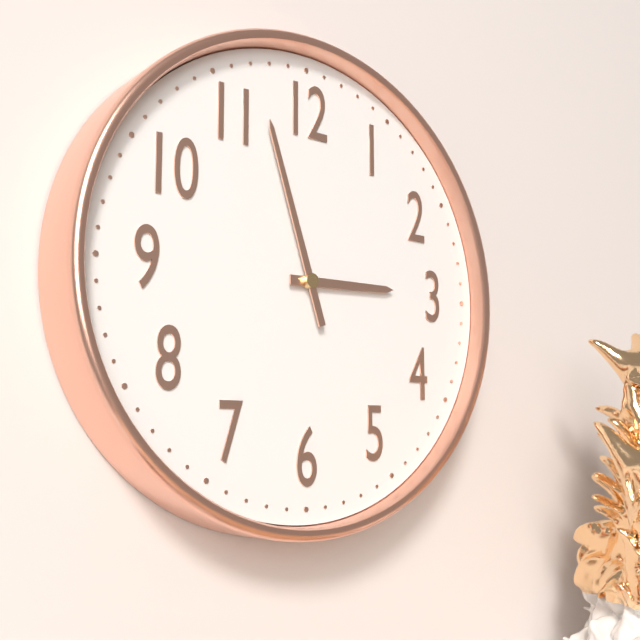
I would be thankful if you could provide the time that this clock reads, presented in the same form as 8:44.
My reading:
2:57
